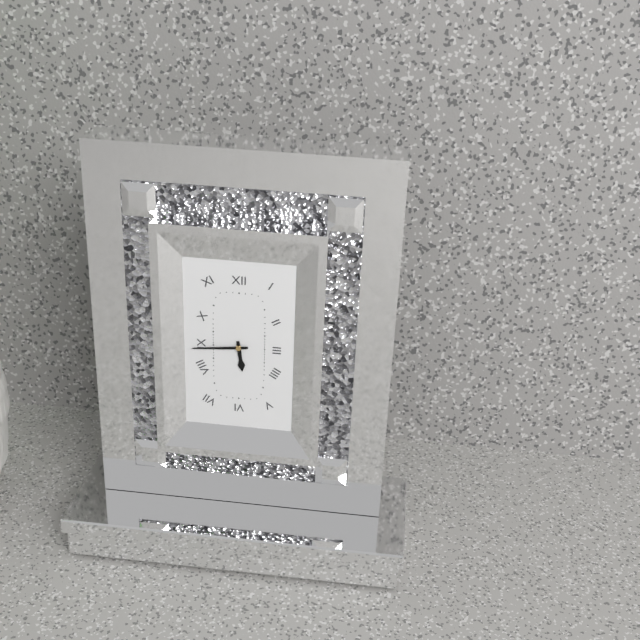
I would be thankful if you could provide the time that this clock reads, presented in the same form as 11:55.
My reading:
5:44
